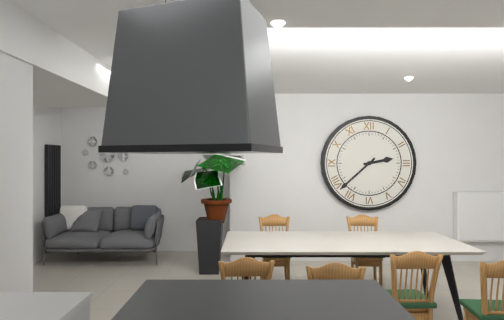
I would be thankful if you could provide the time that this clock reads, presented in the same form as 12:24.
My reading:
2:38
